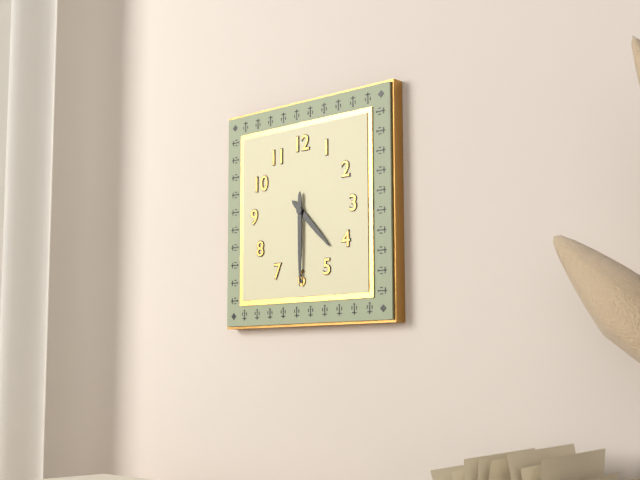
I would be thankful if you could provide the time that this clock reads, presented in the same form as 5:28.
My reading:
4:30
